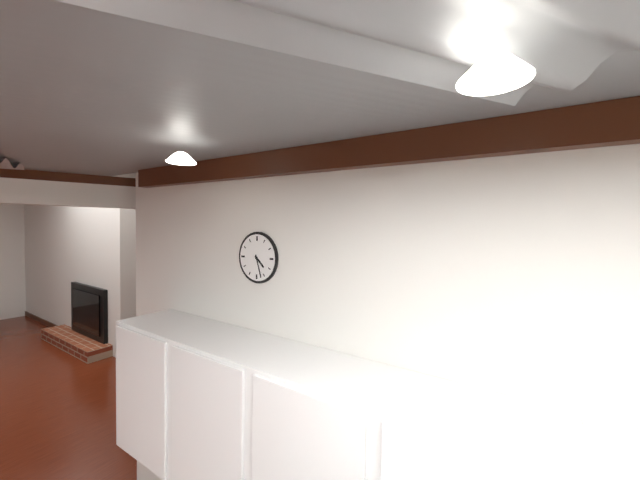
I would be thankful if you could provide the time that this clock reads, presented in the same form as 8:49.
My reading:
4:27
